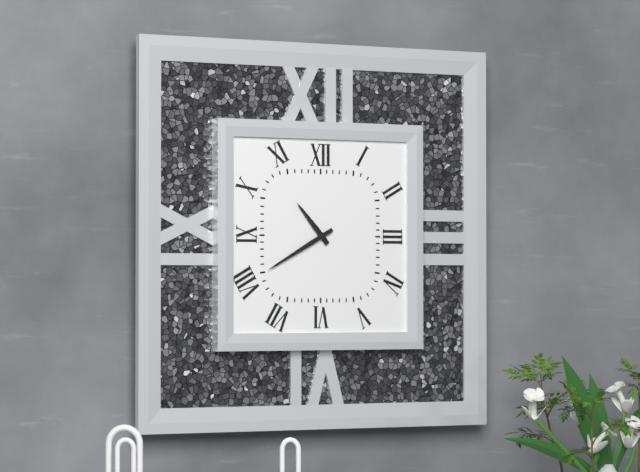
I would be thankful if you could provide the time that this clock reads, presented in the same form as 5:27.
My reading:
10:40
